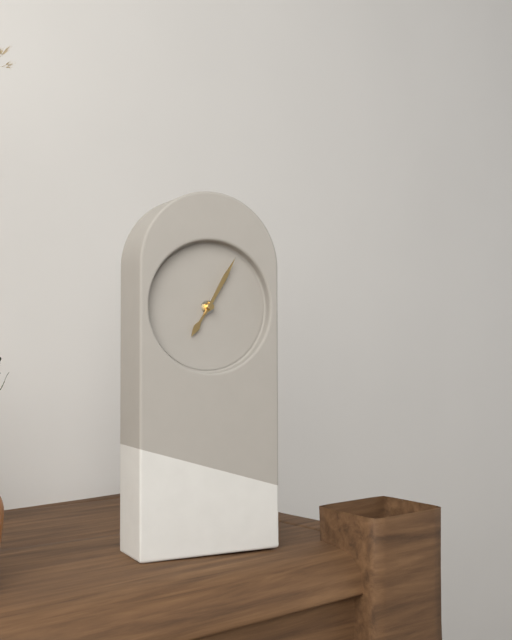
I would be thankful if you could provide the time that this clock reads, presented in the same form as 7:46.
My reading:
7:05
